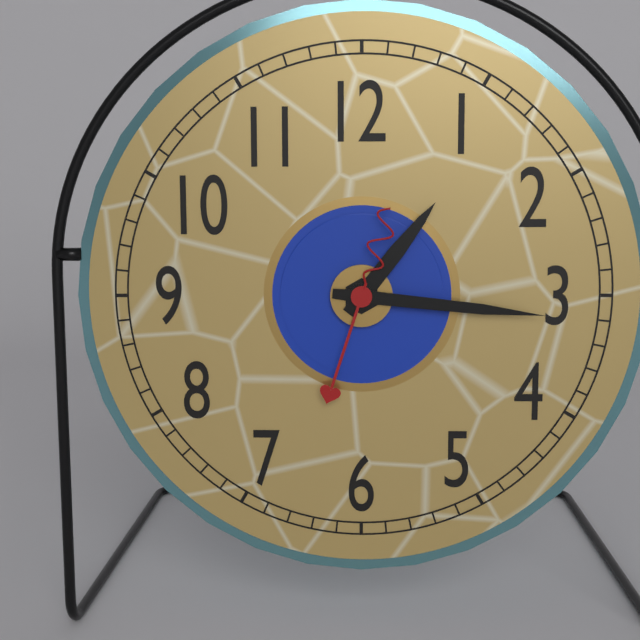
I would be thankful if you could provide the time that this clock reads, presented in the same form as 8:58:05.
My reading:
1:16:33
